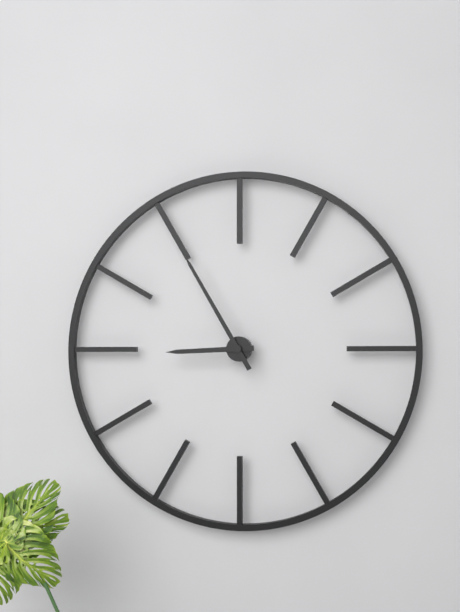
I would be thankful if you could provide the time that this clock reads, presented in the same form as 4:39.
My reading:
8:55
